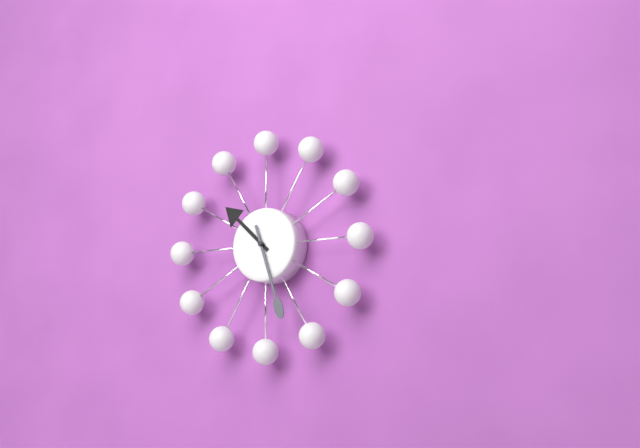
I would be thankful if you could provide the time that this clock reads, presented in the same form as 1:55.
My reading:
10:27
